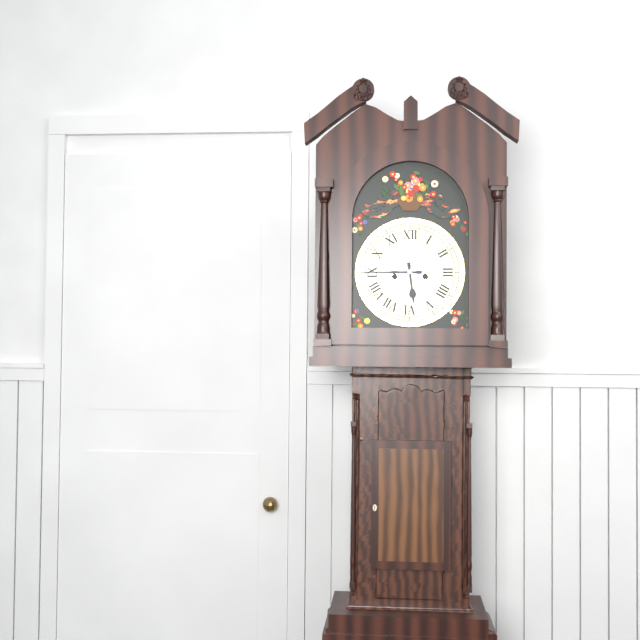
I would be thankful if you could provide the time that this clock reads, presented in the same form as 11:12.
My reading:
5:45
